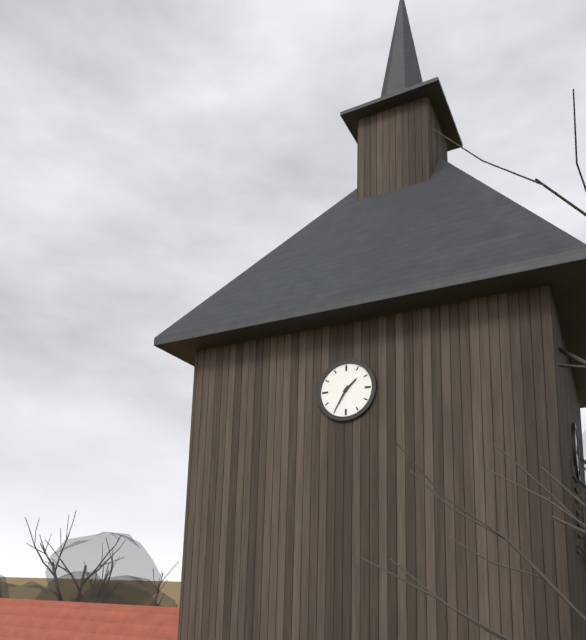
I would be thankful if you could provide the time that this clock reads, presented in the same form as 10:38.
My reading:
1:35
